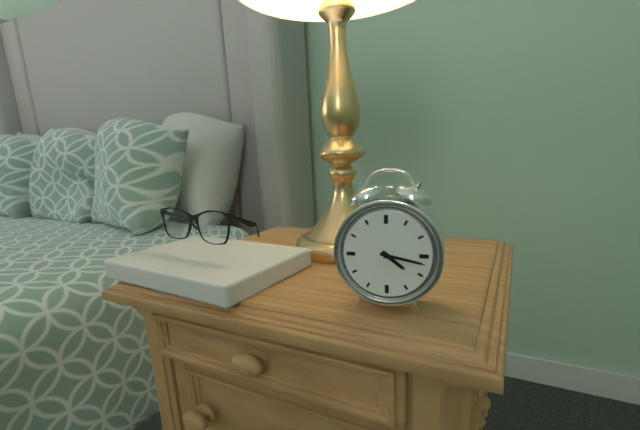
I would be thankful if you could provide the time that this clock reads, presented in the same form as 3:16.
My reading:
4:17
